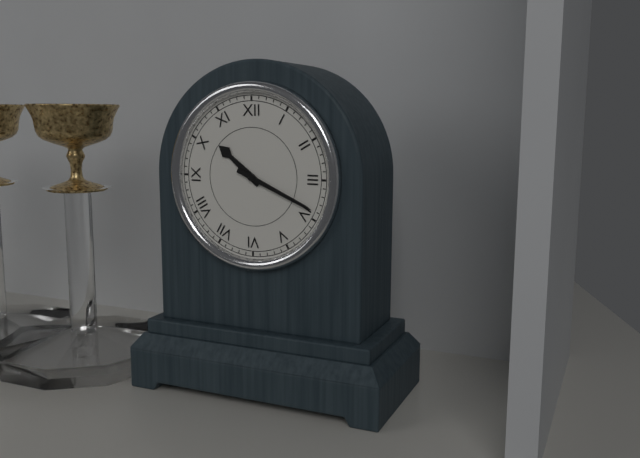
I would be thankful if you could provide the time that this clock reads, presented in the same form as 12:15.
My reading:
10:19
